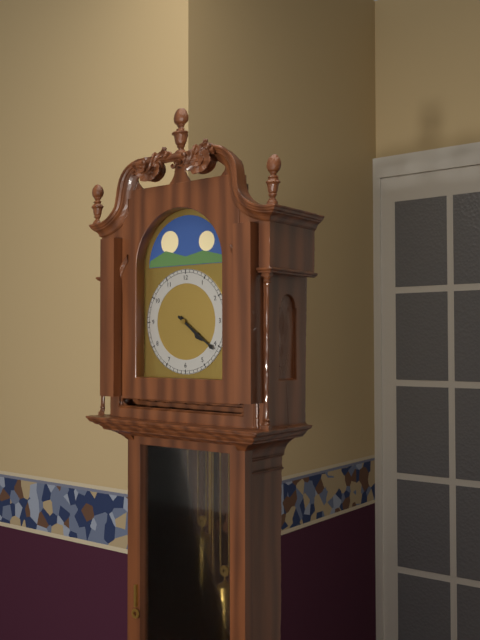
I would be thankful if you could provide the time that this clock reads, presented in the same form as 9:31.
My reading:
4:21
